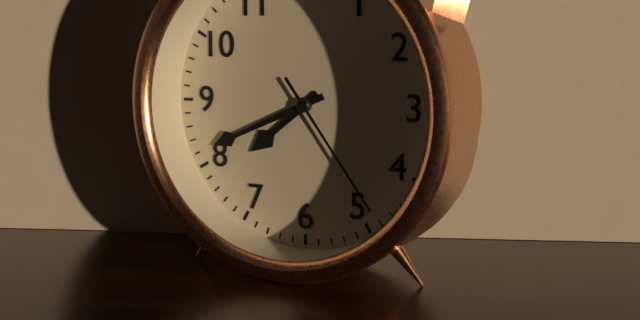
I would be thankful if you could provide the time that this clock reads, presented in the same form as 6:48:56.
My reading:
7:41:24
